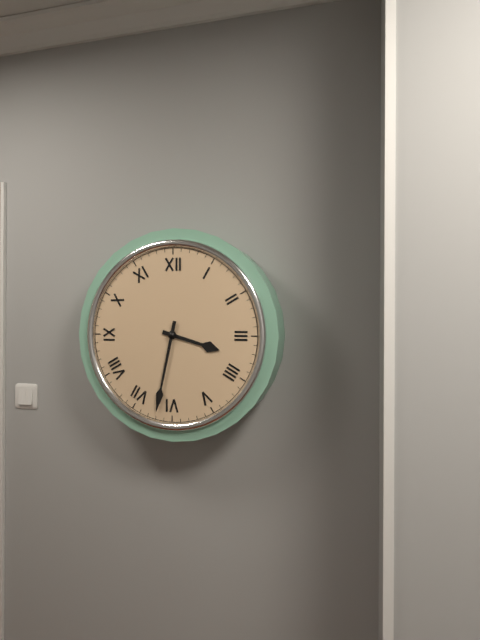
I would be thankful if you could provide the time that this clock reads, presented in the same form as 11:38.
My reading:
3:32
